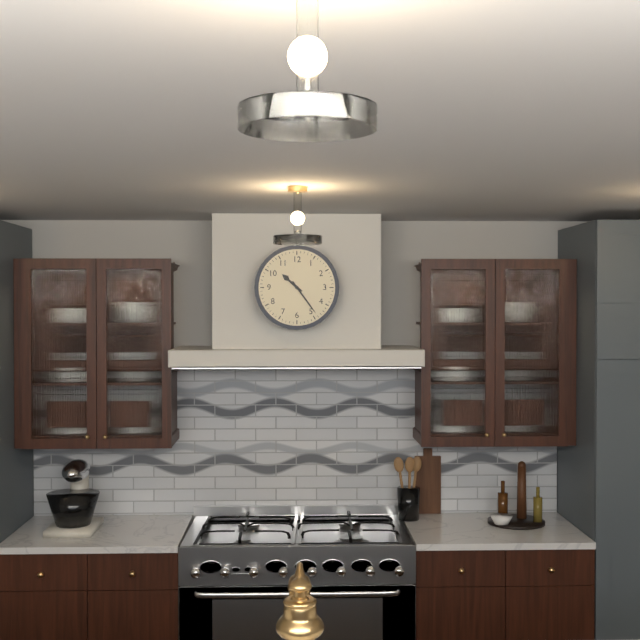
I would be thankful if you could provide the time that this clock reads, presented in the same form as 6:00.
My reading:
10:24
